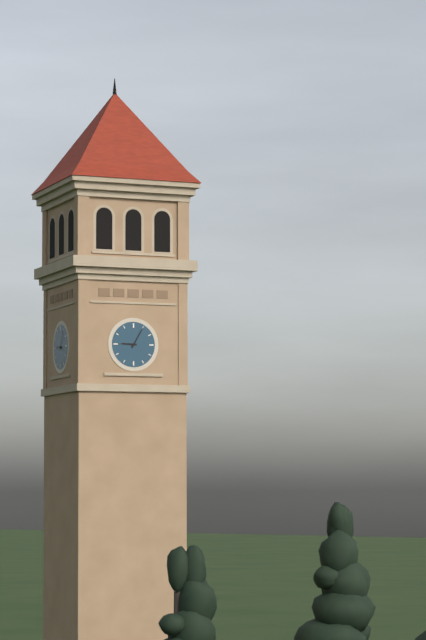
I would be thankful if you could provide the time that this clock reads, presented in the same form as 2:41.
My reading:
9:05
